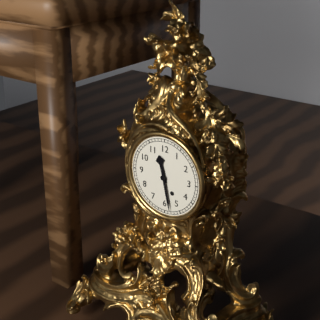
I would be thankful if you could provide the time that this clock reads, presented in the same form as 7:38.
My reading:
11:28
